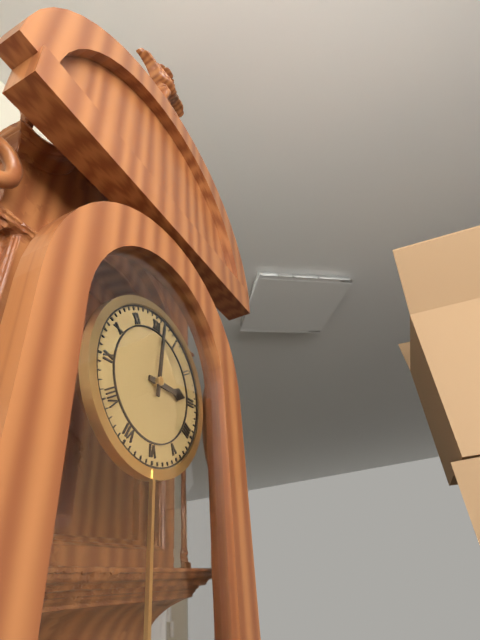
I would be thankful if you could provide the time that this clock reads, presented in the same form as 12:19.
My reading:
3:01
